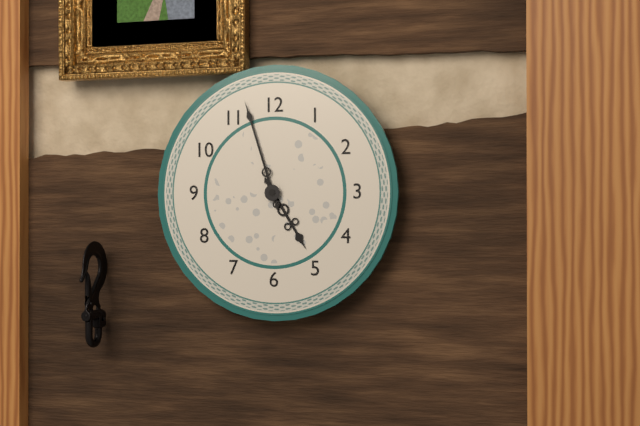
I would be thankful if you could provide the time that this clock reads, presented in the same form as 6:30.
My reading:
4:57
